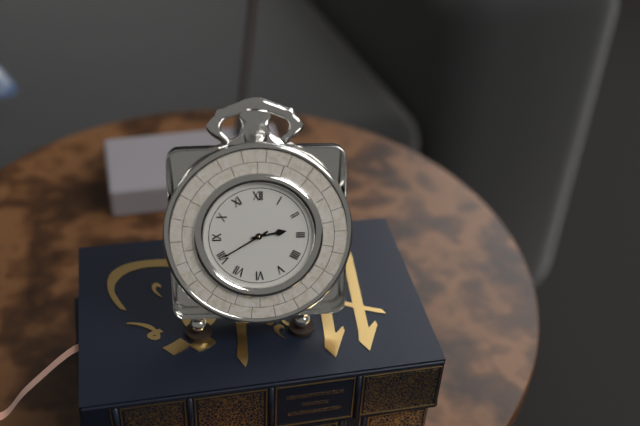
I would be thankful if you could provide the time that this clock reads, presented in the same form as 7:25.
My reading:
2:40
